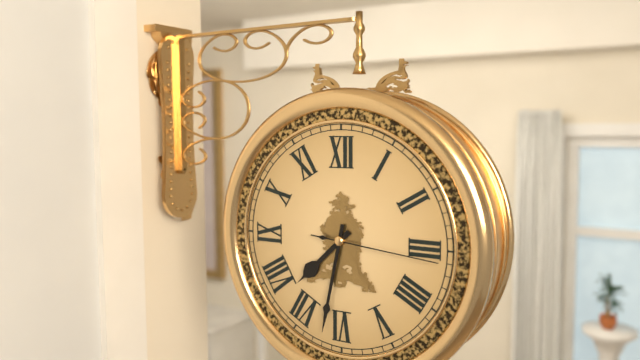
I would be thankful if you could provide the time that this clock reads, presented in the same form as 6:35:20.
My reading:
7:32:16
